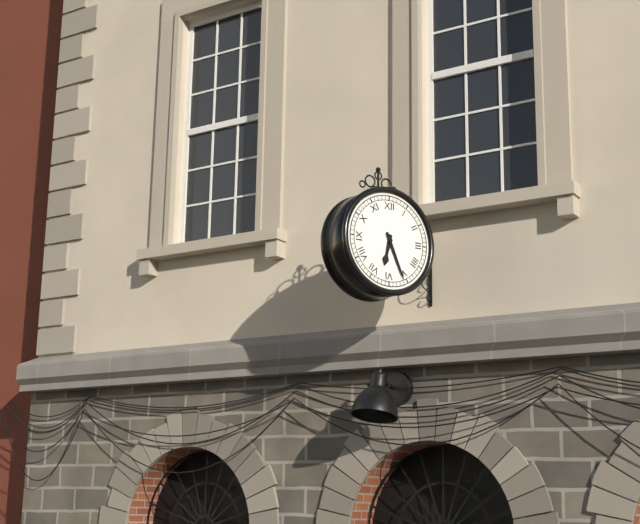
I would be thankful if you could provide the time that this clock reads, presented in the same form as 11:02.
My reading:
6:26
